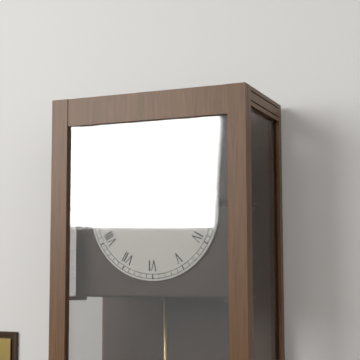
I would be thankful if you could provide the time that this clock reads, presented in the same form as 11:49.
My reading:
12:02
